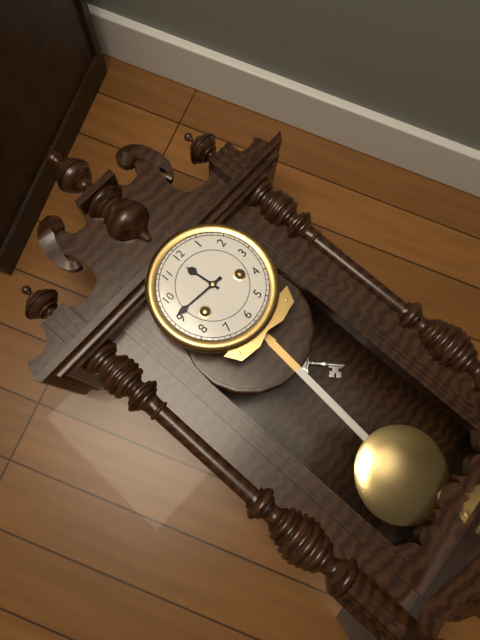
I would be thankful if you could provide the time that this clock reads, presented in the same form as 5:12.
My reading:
11:46
